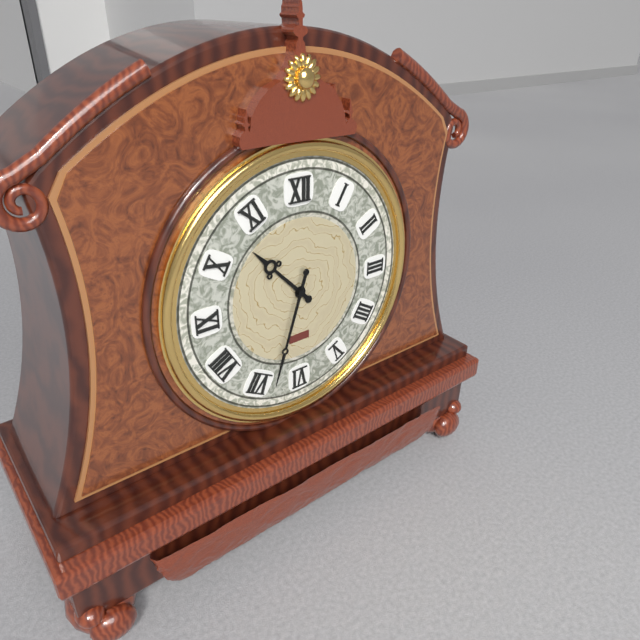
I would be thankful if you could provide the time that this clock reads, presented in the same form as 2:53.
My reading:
10:33
